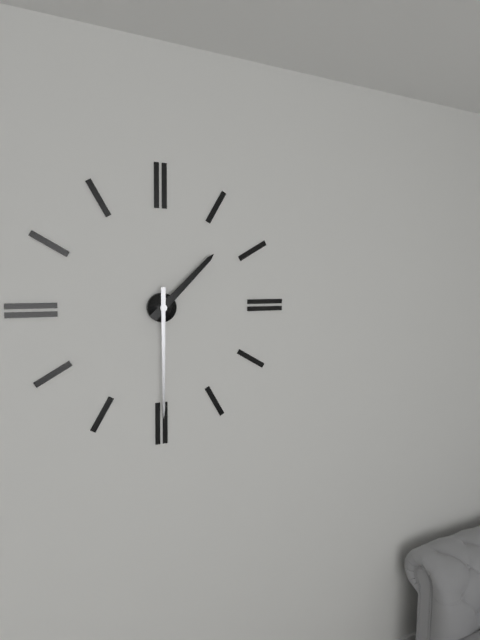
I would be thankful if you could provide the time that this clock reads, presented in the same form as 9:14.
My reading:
1:30
